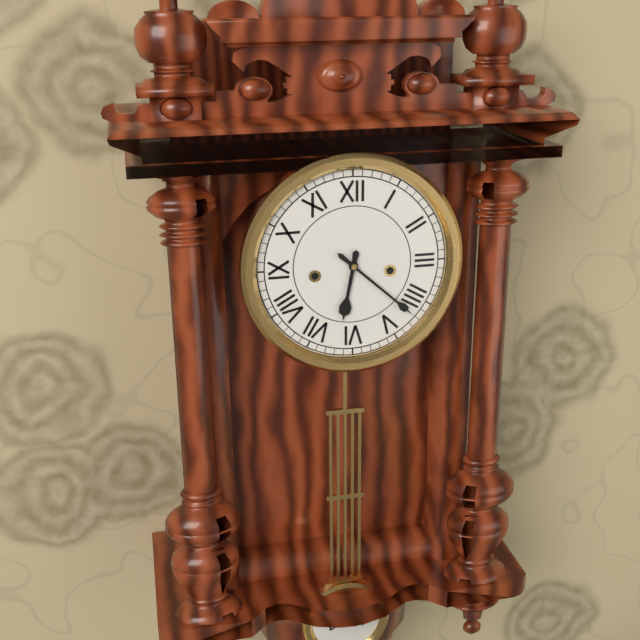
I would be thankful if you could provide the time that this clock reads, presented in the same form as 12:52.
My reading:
6:22
